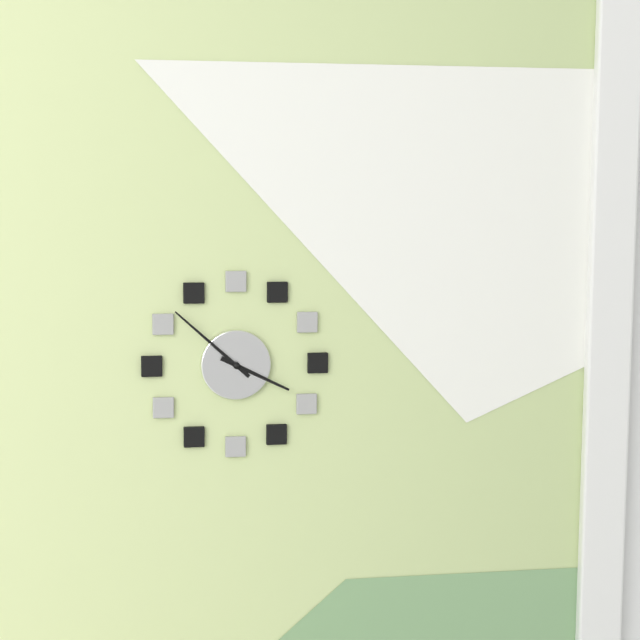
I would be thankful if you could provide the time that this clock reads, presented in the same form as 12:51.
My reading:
3:52
